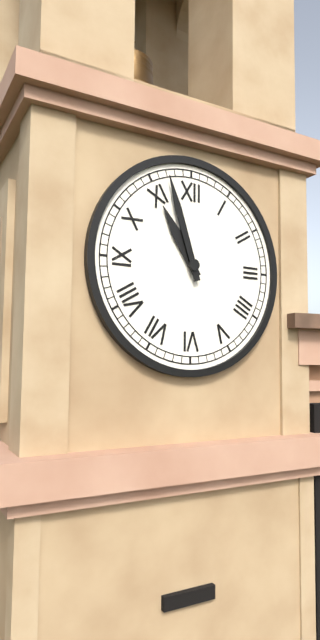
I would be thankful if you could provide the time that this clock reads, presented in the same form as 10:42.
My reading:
10:57
